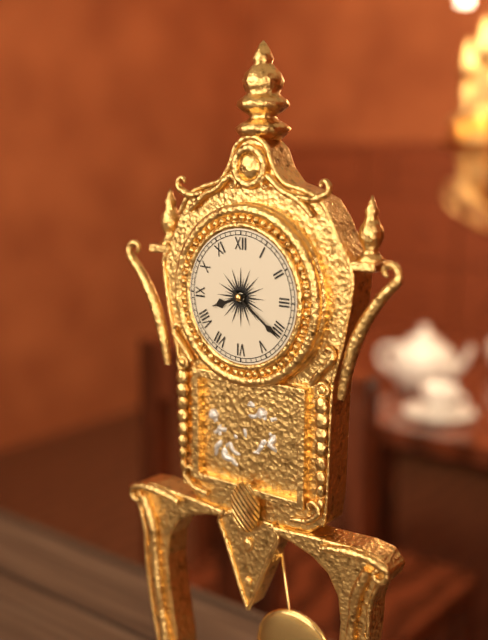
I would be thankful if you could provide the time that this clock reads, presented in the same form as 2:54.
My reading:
8:21
